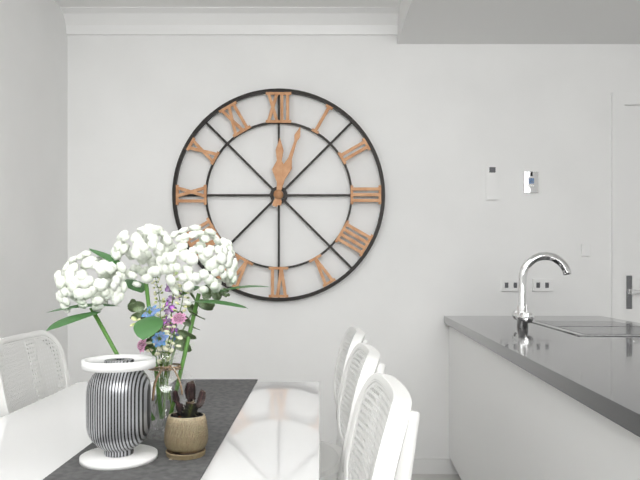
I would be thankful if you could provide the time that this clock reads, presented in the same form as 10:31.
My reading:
12:03
